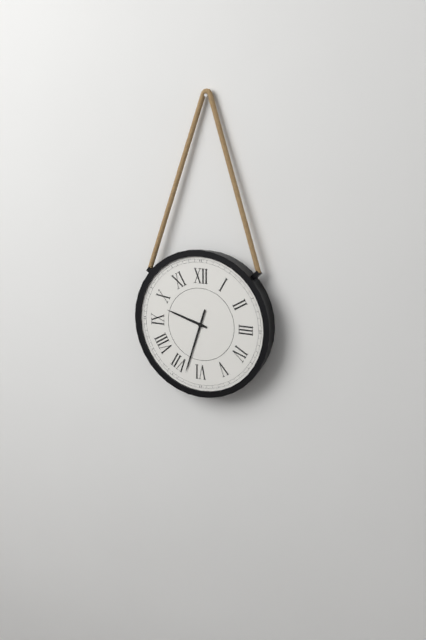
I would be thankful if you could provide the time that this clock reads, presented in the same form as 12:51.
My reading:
9:33
